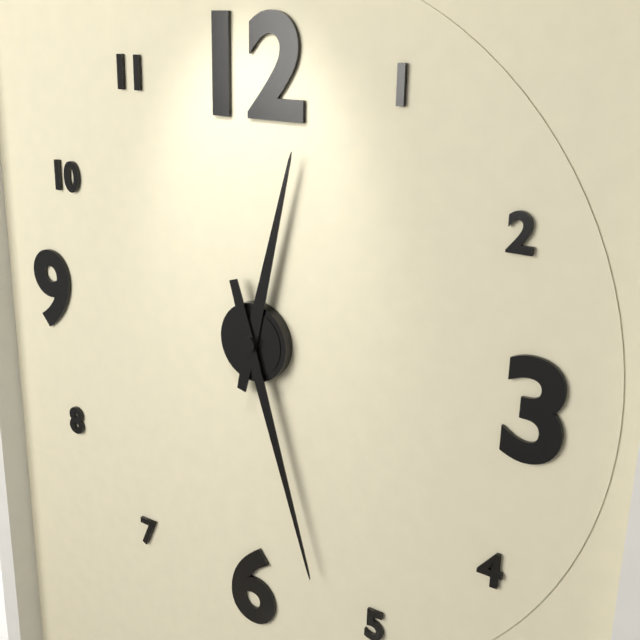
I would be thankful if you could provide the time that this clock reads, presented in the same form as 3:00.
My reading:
12:27
